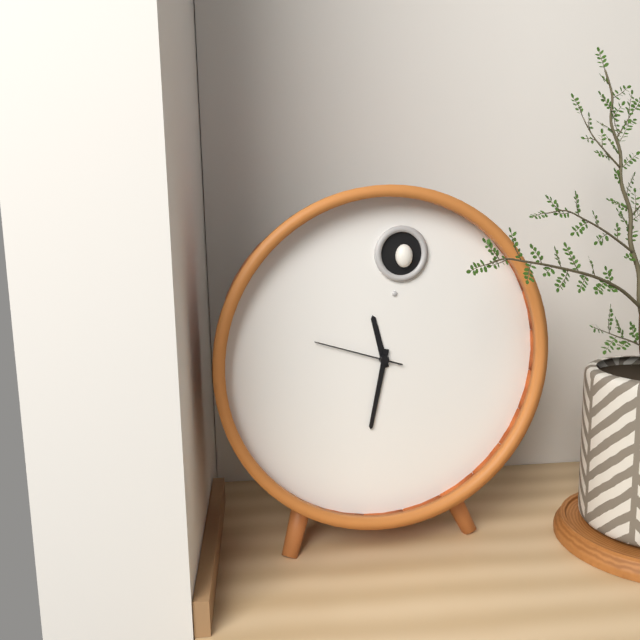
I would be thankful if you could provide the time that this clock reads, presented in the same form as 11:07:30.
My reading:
11:32:48
